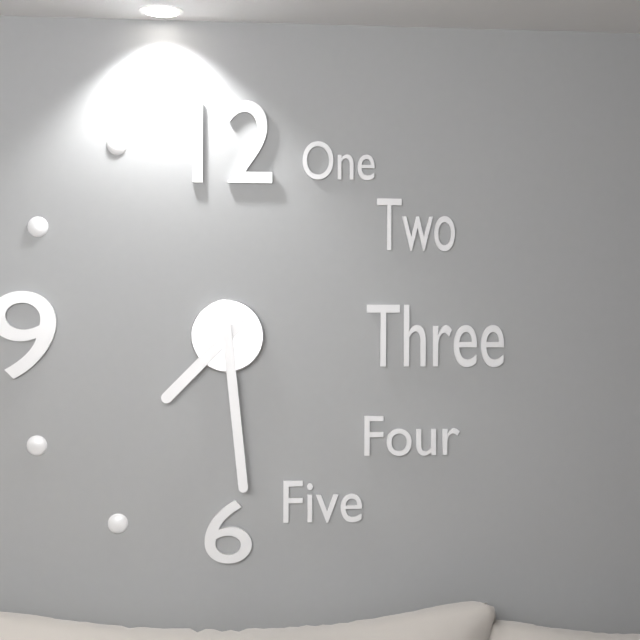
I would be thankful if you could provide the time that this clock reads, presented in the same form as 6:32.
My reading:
7:29
